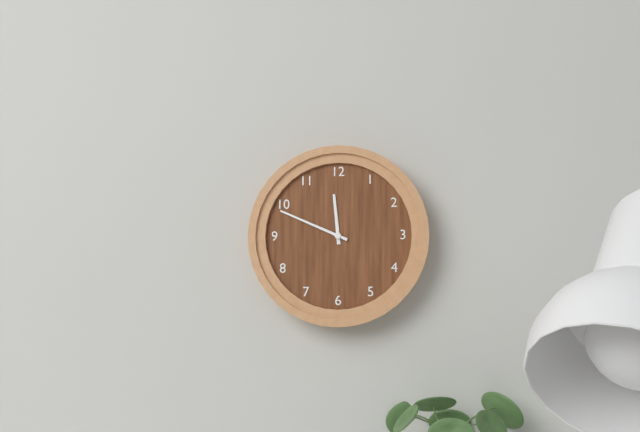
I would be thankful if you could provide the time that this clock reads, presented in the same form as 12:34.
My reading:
11:49
